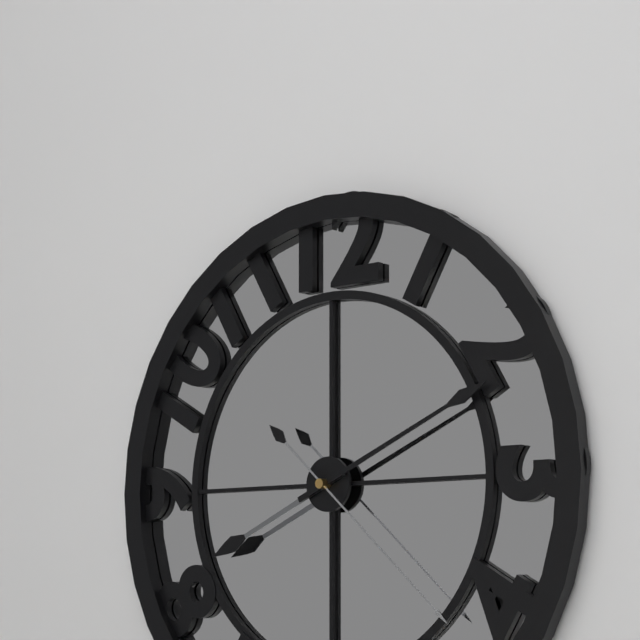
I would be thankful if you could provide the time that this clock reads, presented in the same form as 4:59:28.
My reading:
8:11:22
